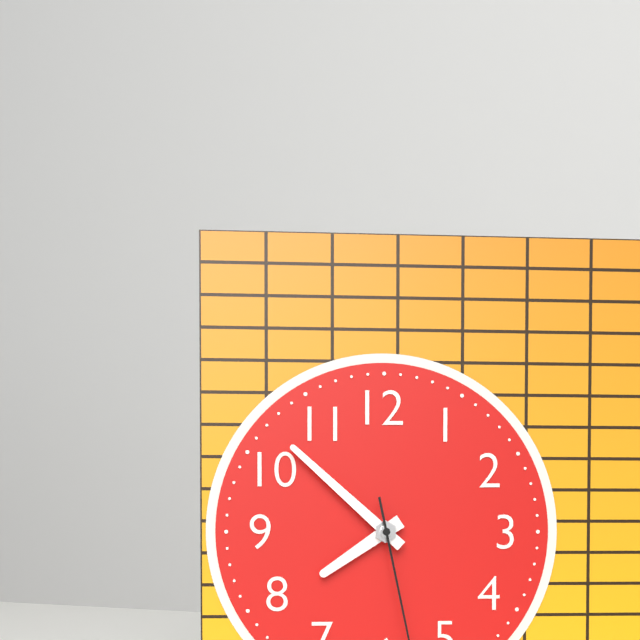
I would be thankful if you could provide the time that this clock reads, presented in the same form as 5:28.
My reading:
7:52
